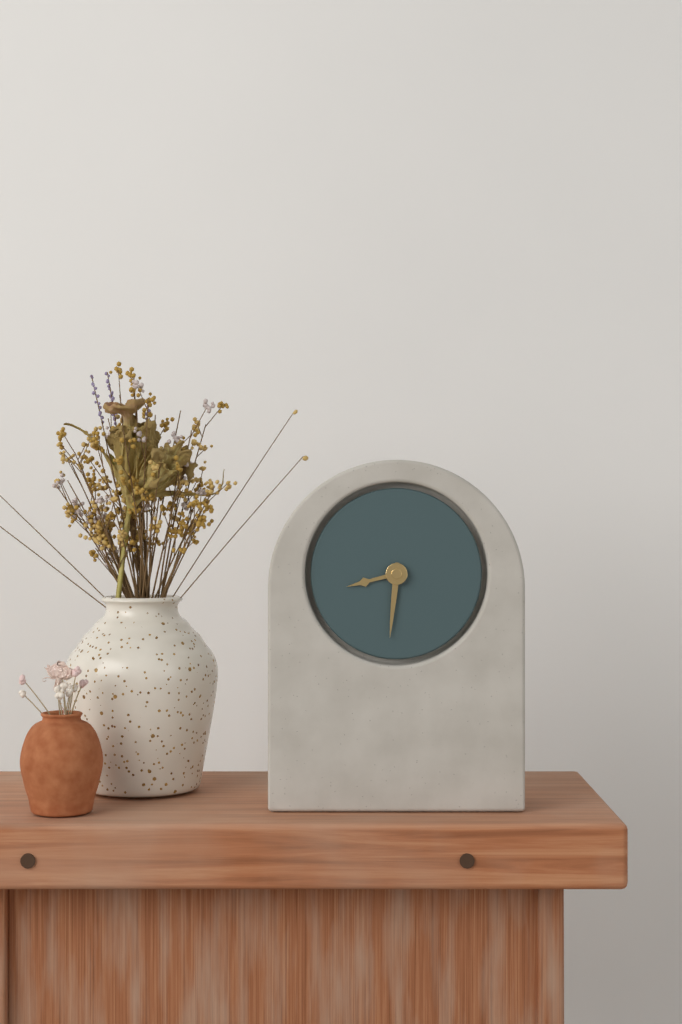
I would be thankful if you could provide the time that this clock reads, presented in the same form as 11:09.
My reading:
8:31
